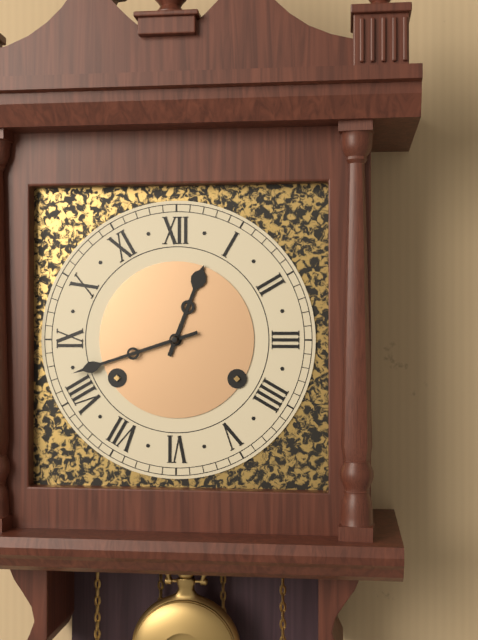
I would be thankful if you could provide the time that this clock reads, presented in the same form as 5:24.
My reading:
12:42
